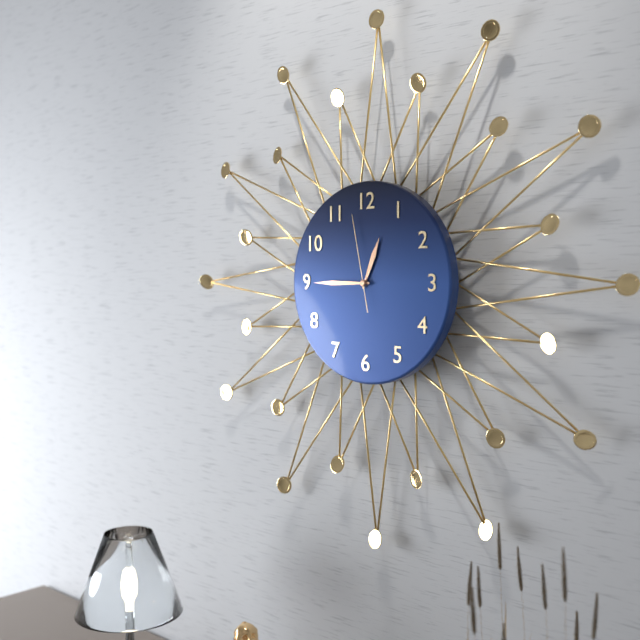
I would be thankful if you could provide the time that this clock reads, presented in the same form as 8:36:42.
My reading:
12:45:58
